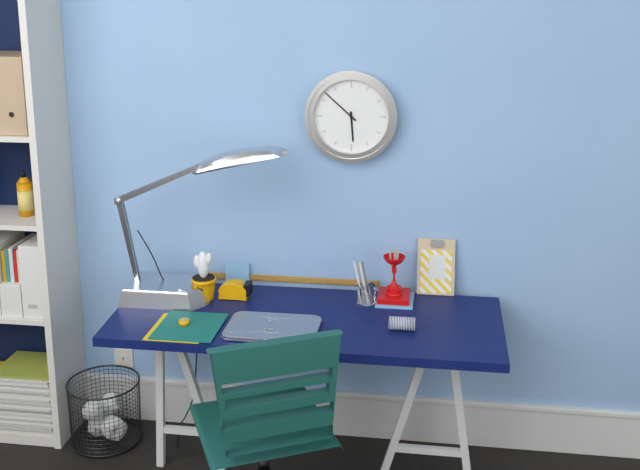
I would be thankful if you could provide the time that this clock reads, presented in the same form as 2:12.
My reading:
5:52
